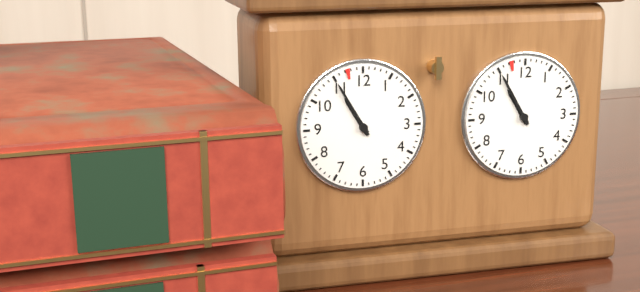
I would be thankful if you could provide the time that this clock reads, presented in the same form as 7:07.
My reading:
10:55
